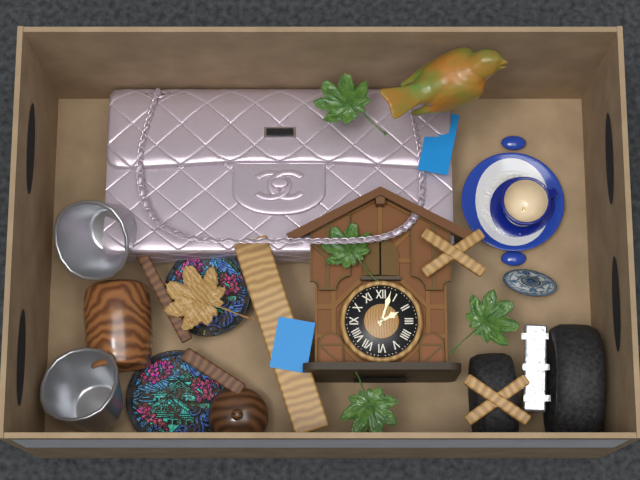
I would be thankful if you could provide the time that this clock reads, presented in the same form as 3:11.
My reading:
2:03
